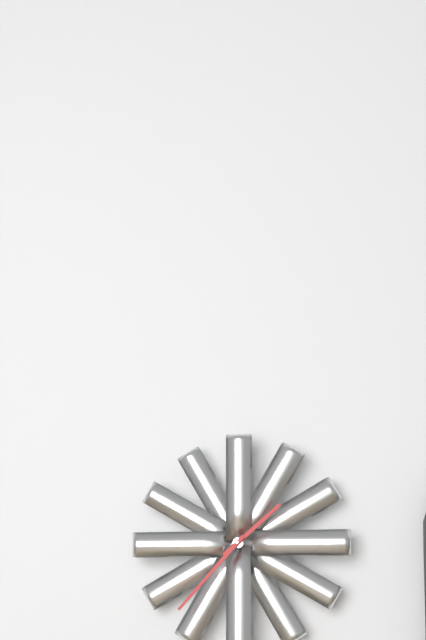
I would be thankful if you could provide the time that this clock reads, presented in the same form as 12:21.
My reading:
1:37
